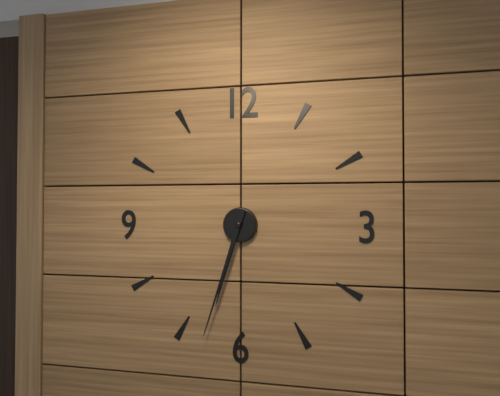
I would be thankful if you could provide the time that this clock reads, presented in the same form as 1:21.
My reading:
6:33
